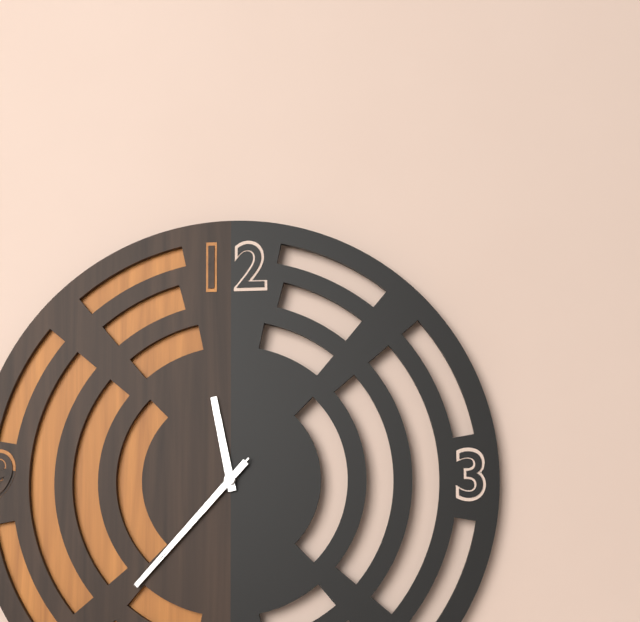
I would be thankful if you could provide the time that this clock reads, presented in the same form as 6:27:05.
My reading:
11:37:37
